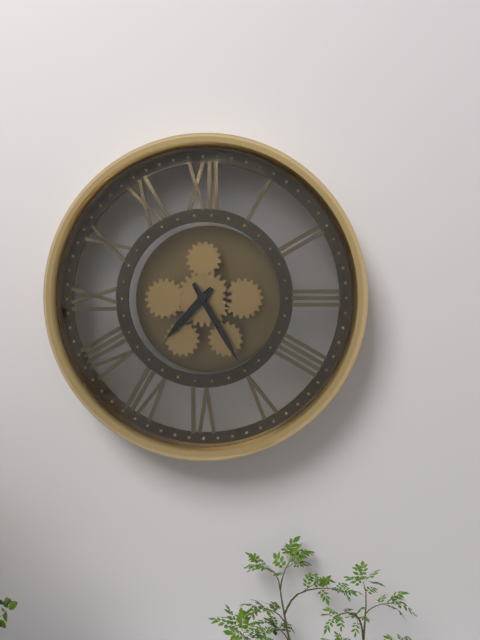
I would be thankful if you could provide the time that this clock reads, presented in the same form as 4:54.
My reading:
7:25
